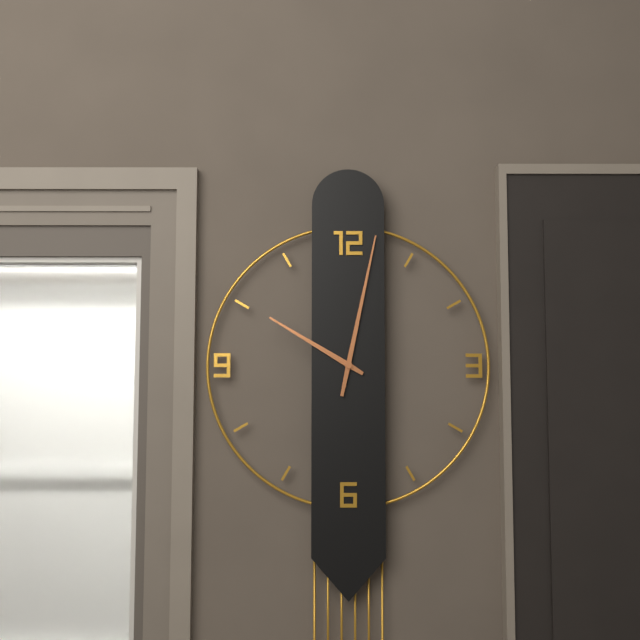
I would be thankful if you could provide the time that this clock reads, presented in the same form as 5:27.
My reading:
10:02
